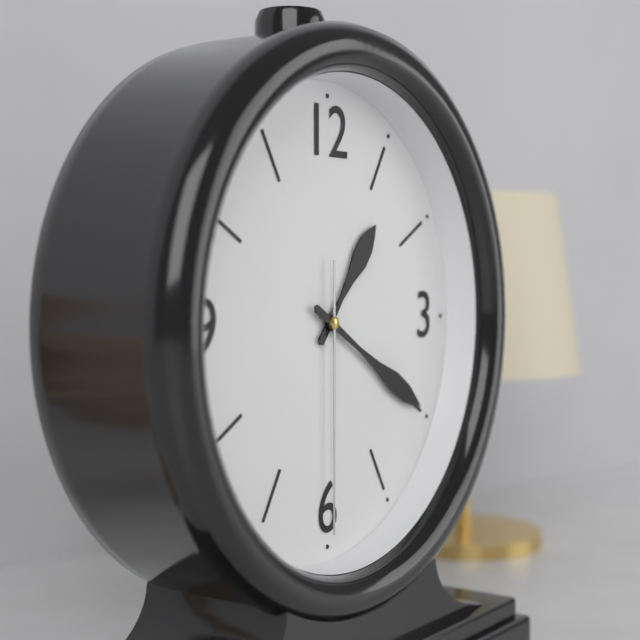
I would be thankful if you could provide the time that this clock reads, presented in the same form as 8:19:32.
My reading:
1:20:30
